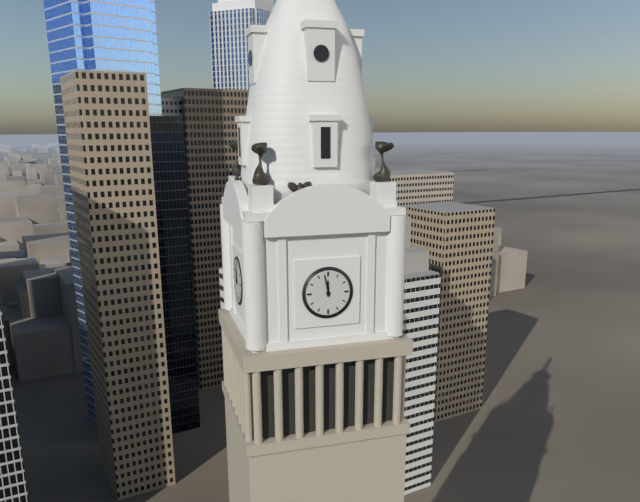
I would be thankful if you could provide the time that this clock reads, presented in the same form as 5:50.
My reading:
11:58
